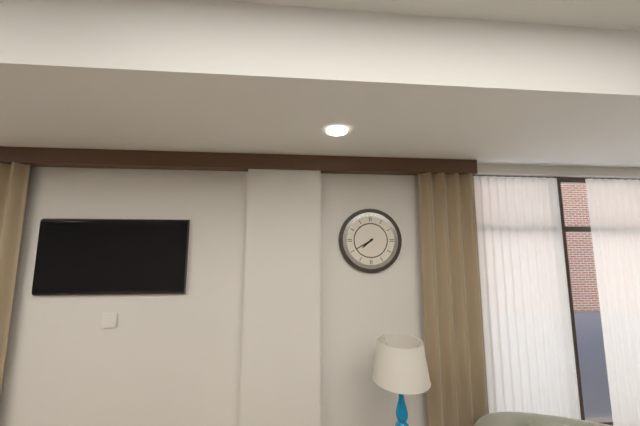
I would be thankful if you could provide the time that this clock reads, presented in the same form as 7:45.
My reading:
7:40
